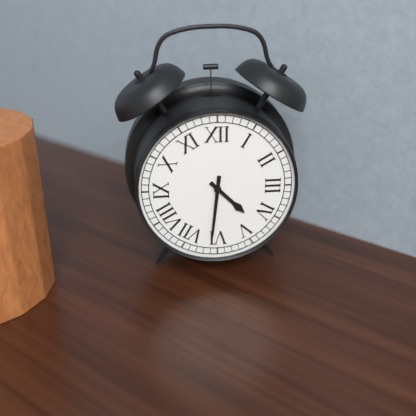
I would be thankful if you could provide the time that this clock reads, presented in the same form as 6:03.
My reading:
4:31
